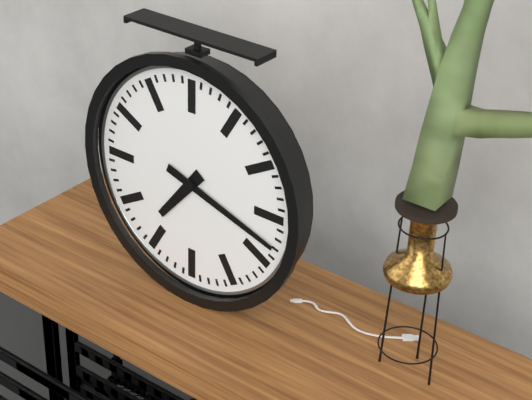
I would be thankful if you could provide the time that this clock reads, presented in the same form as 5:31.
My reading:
7:18
